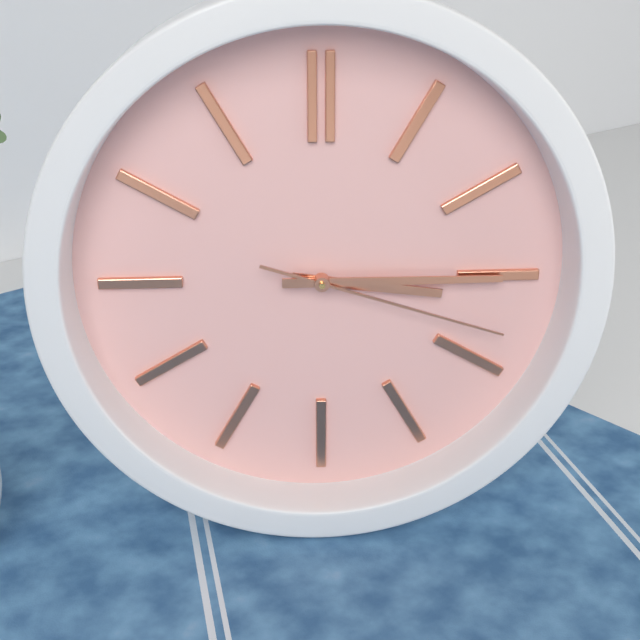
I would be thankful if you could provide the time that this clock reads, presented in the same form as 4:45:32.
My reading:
3:15:18
